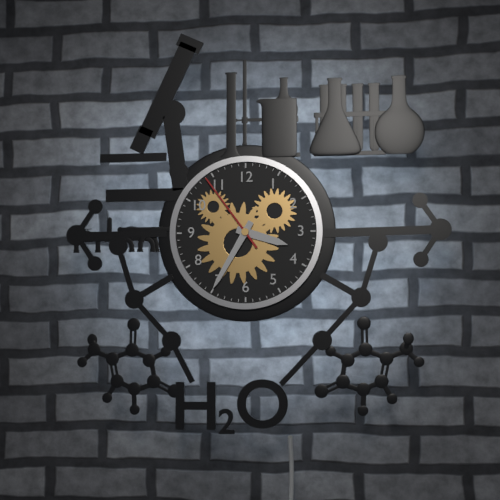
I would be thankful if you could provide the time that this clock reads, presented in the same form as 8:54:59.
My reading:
3:35:54
